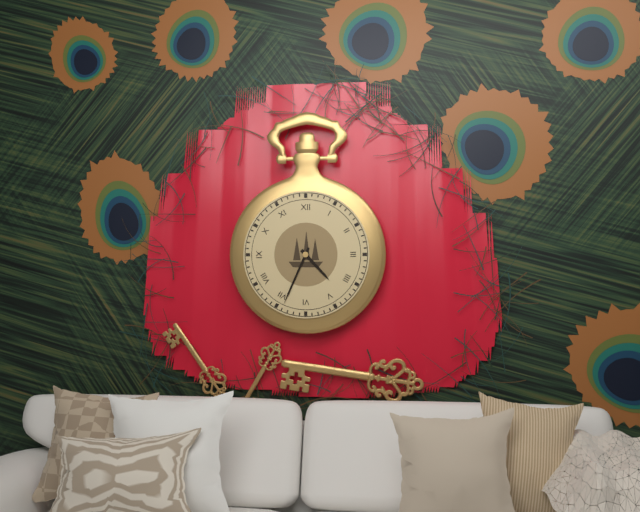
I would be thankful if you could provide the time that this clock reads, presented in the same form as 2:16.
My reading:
4:34
